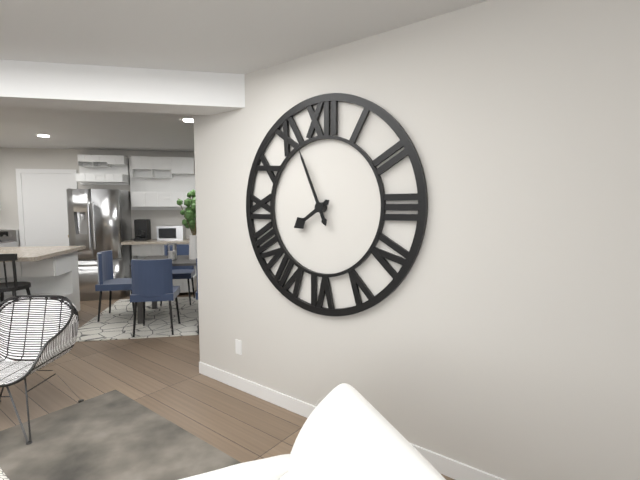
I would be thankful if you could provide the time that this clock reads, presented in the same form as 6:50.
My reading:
7:56
